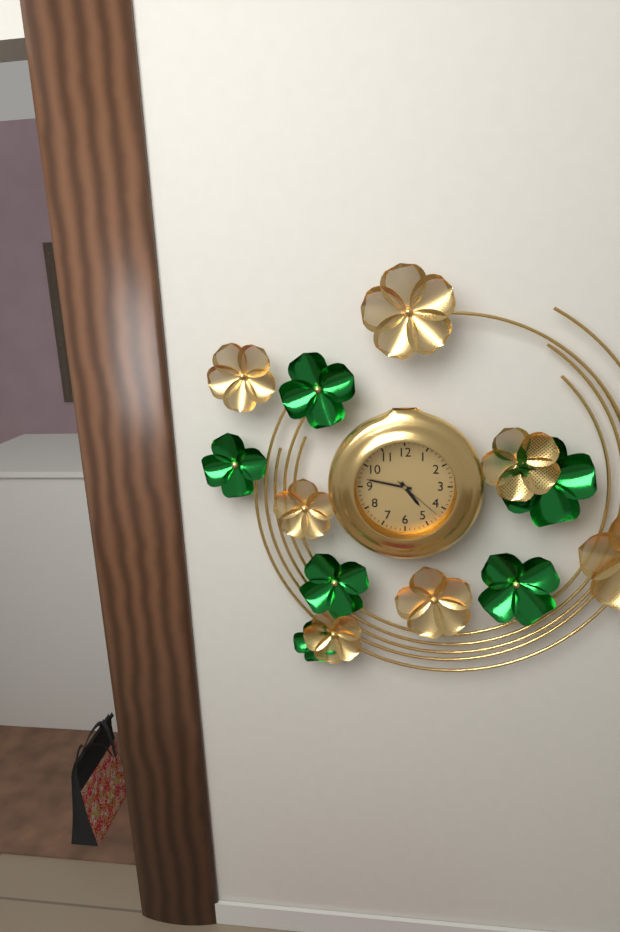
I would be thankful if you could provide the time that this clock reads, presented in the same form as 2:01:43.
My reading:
4:47:22
